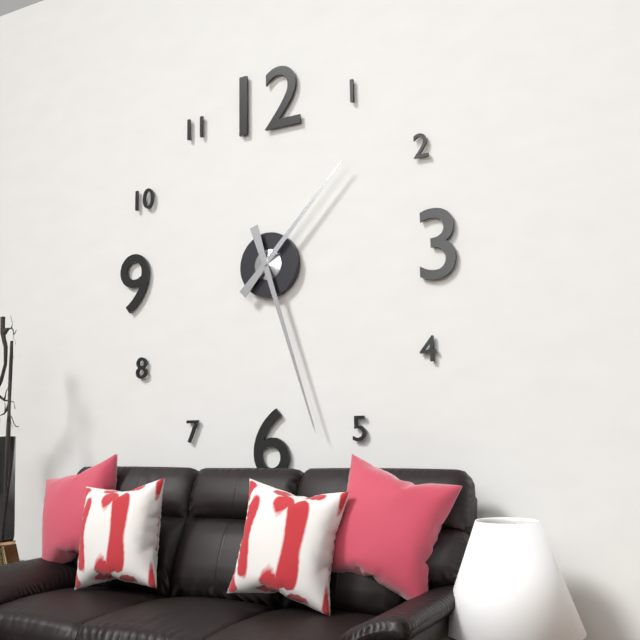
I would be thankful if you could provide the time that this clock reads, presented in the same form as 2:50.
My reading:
1:27
